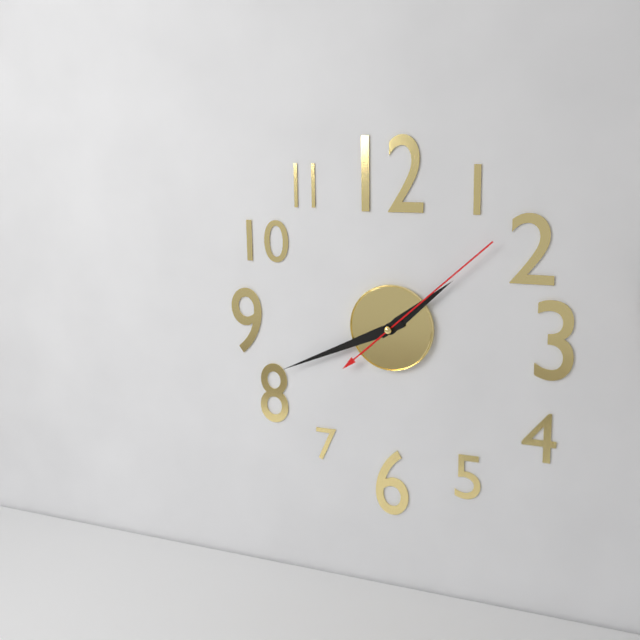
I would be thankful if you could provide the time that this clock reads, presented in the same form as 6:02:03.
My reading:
1:41:08
